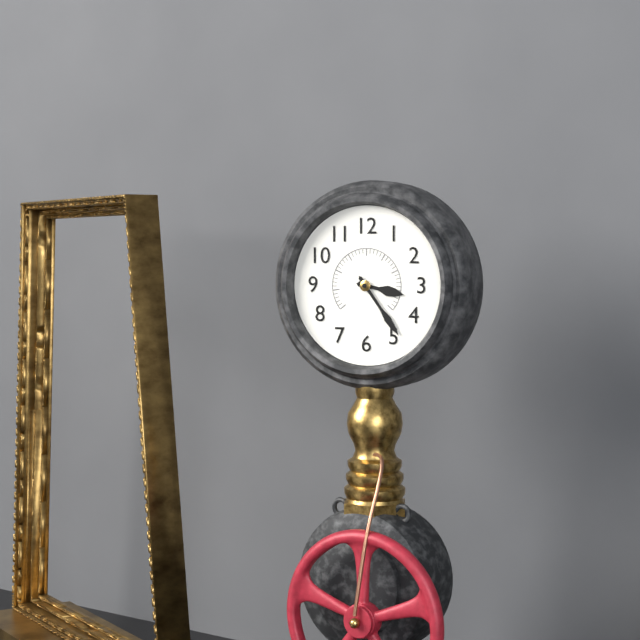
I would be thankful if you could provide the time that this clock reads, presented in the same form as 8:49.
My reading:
3:24
